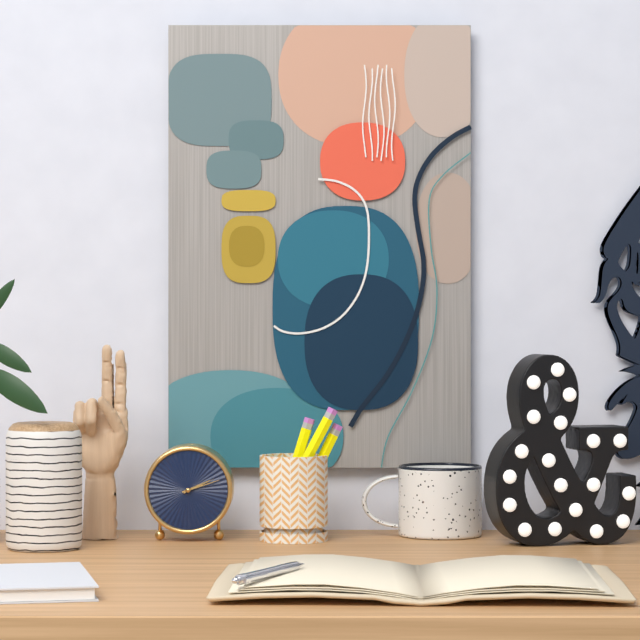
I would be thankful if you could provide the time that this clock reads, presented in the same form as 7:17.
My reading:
2:12
